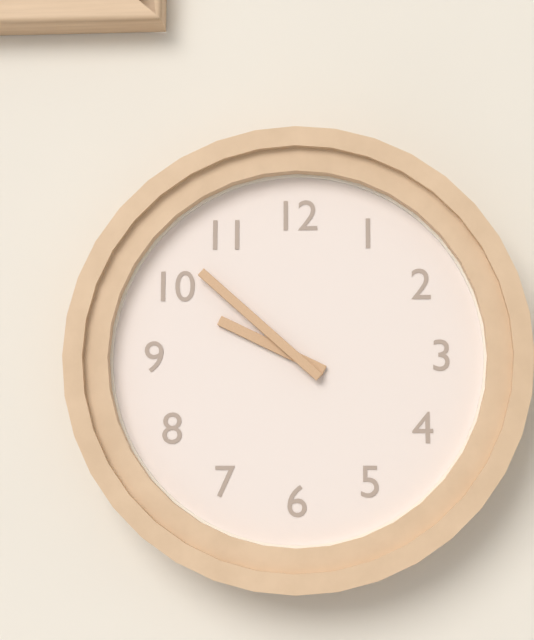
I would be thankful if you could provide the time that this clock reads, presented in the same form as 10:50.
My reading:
9:52
